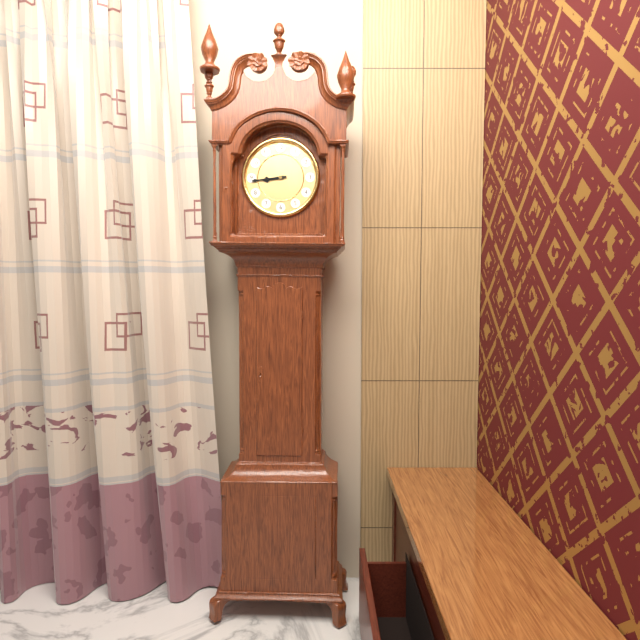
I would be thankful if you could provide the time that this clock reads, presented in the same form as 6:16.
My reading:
8:44
